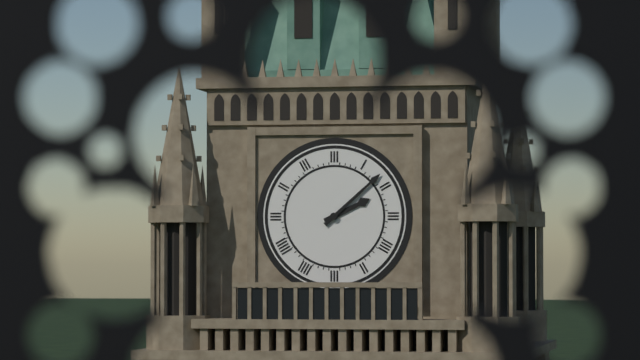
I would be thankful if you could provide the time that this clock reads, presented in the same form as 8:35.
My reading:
2:08
